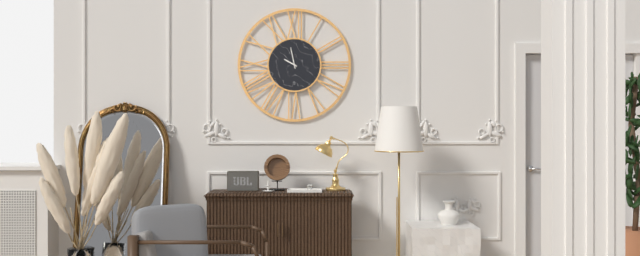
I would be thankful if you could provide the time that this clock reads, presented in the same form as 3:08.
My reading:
9:58
